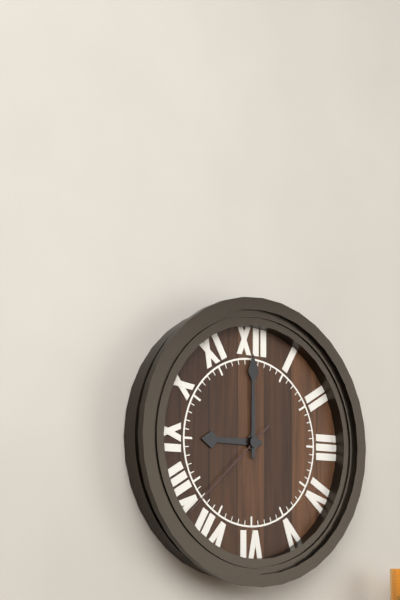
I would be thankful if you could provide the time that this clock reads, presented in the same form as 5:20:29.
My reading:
9:00:38
